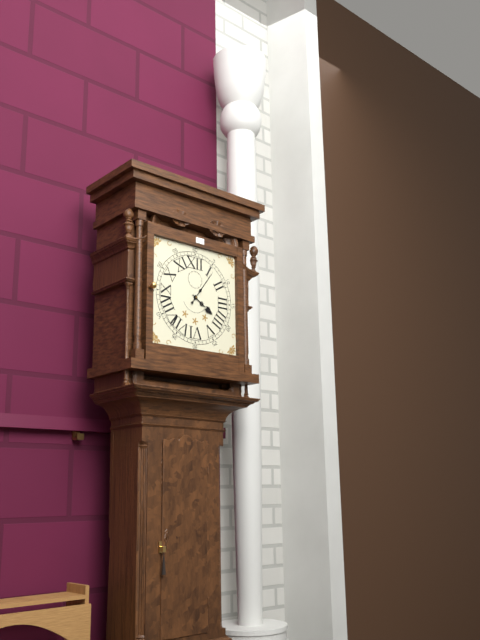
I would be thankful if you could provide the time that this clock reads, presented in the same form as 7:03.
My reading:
4:06
